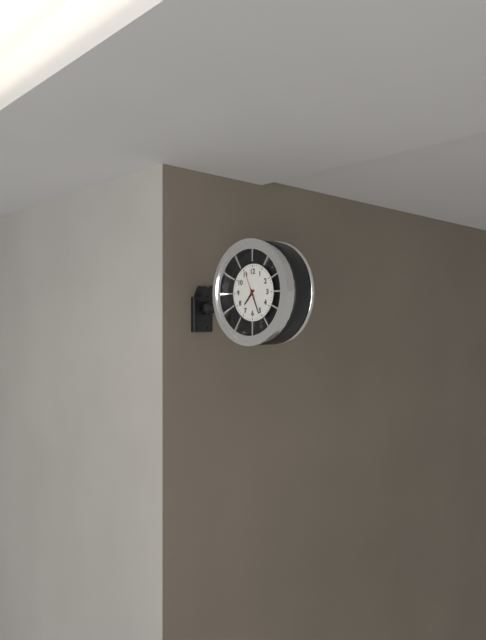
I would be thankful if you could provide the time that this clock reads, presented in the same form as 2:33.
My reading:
7:26
